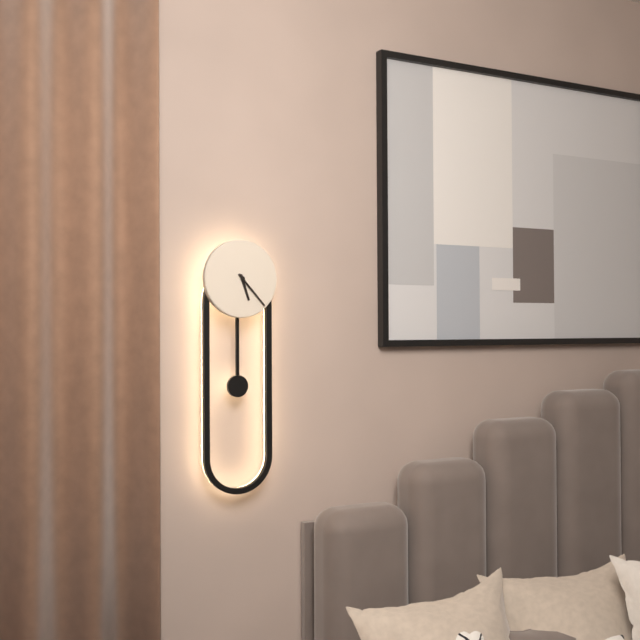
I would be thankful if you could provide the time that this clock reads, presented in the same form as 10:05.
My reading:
5:23
